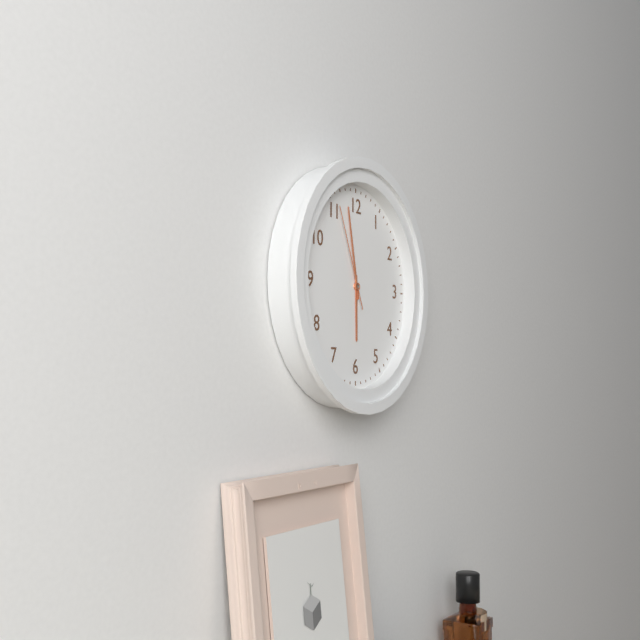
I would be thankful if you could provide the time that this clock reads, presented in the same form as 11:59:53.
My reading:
5:58:56
